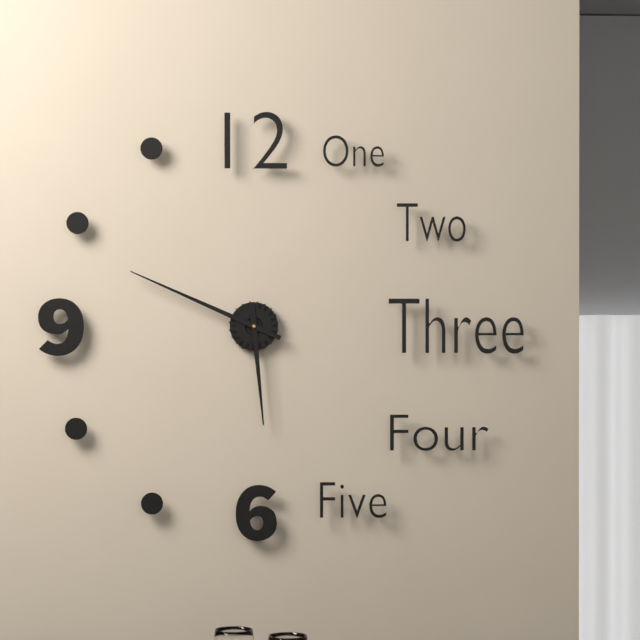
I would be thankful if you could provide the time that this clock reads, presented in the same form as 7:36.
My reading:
5:49
